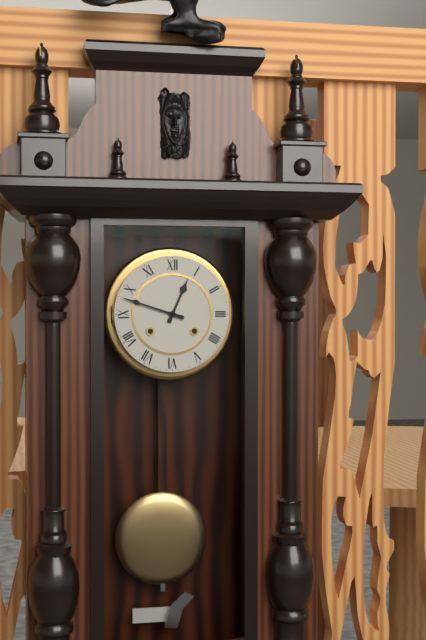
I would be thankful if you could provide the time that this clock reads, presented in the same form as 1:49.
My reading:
12:48
